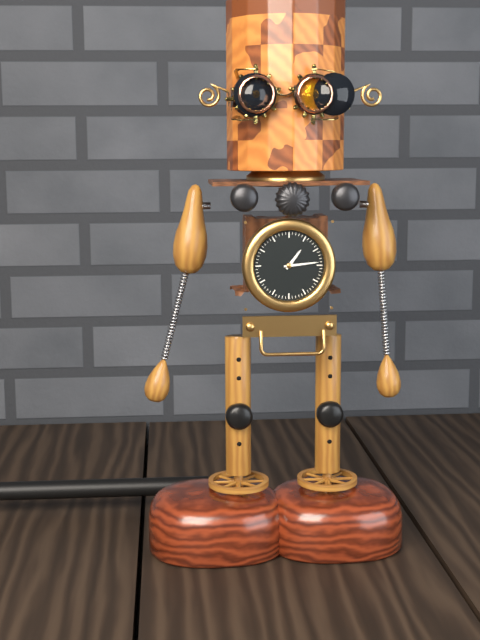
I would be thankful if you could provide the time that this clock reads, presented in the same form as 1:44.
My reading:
1:14
